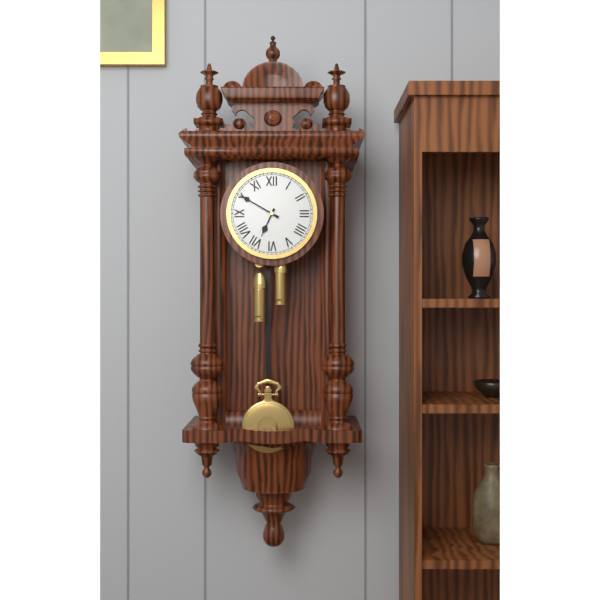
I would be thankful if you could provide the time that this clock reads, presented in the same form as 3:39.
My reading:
6:50
